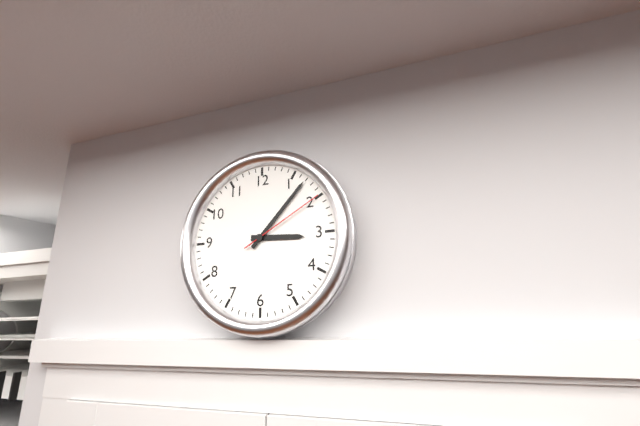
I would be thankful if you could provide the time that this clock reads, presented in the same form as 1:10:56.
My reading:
3:07:10
